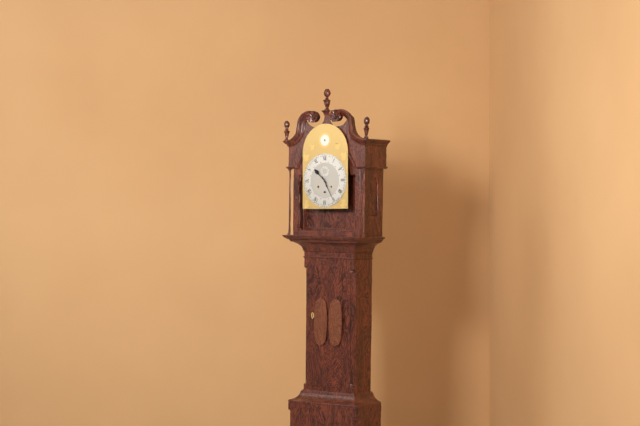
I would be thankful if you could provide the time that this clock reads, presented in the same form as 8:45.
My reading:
10:25
